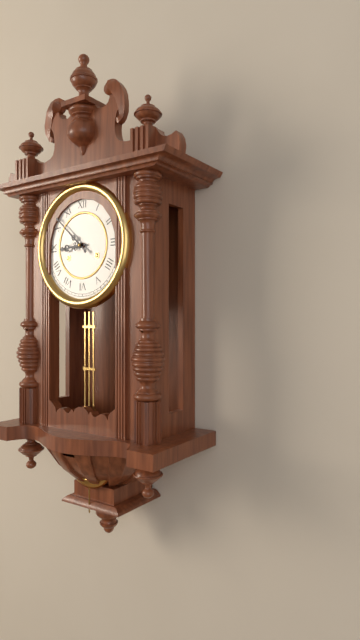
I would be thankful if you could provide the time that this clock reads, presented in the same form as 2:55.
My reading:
8:52
